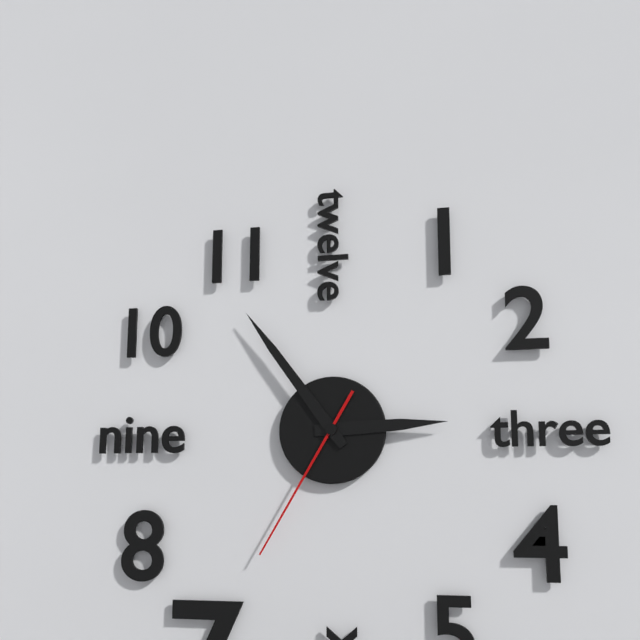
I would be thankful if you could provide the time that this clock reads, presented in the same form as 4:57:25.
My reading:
2:54:35
